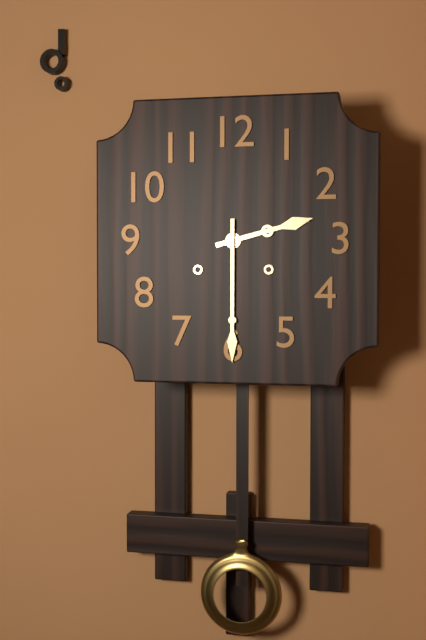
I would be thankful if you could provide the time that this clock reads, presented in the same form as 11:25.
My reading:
2:30
